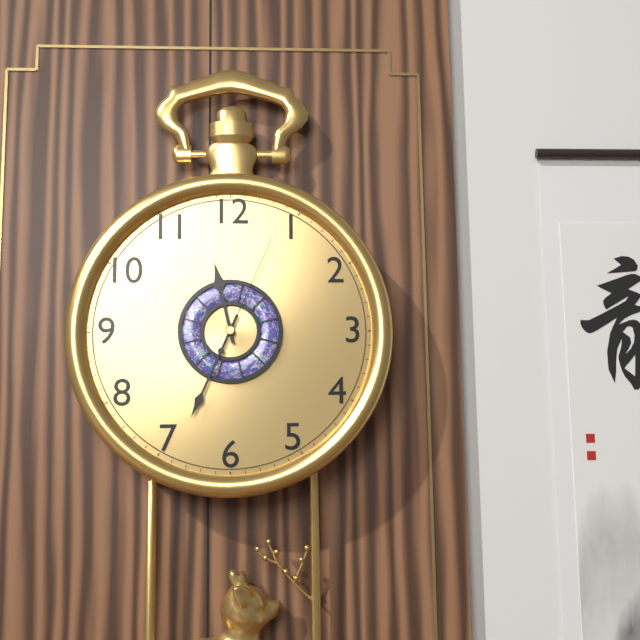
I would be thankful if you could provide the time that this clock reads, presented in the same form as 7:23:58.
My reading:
11:34:04
